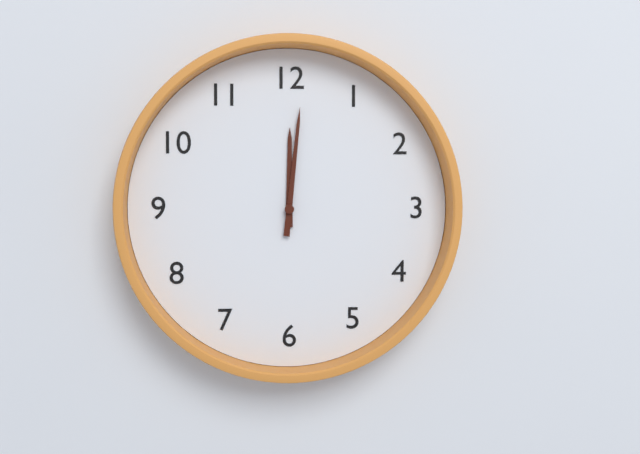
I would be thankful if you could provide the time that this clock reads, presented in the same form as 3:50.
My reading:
12:01
